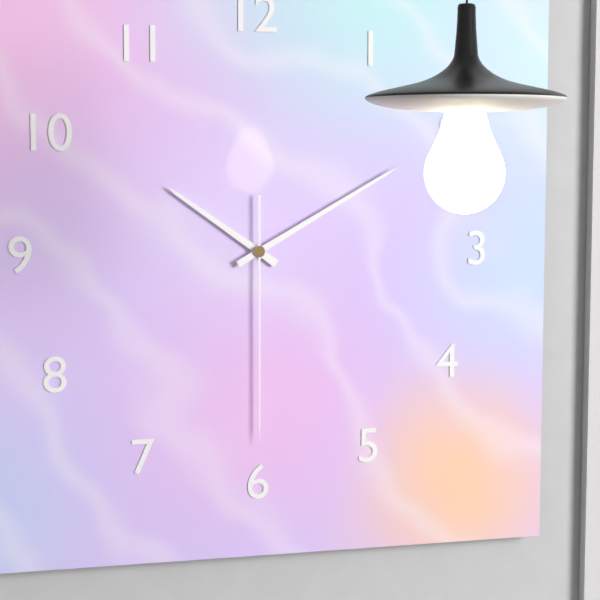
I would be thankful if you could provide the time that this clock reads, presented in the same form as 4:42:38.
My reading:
10:10:30
